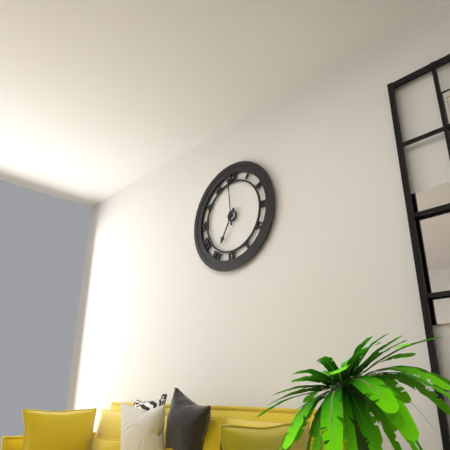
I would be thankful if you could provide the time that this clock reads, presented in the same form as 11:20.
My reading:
6:59
